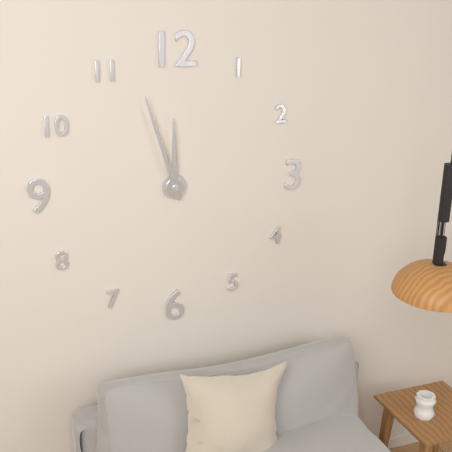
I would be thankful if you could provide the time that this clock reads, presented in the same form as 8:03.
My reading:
11:57
